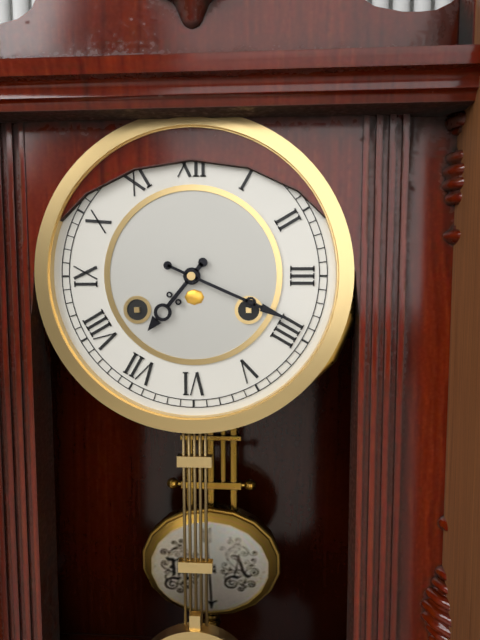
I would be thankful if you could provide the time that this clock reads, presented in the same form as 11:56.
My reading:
7:19
